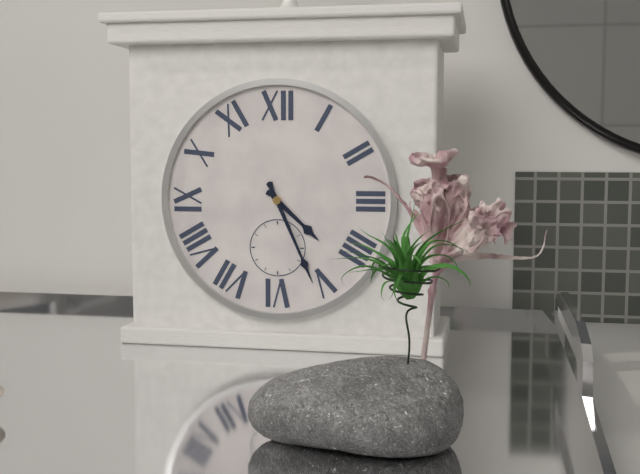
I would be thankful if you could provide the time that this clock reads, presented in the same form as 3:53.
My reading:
4:26
